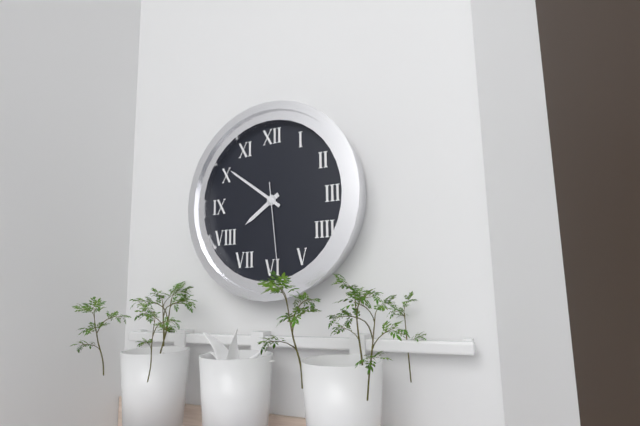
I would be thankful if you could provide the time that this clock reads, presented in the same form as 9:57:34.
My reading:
7:51:29
